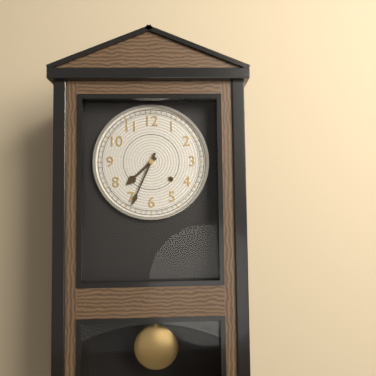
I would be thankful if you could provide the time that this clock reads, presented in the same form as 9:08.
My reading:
7:34
